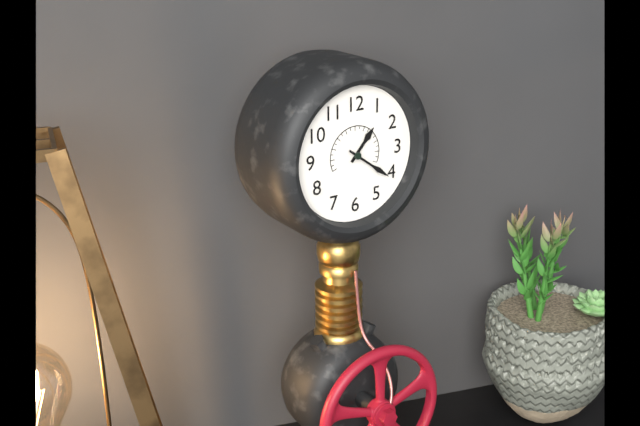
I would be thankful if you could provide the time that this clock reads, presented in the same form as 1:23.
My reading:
1:21
